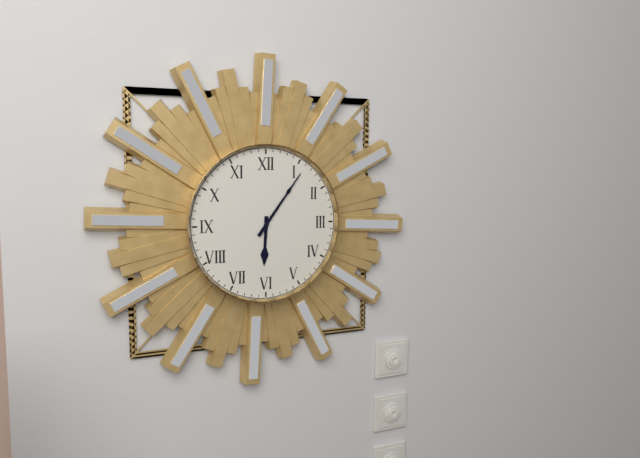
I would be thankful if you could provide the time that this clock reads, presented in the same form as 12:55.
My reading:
6:06
